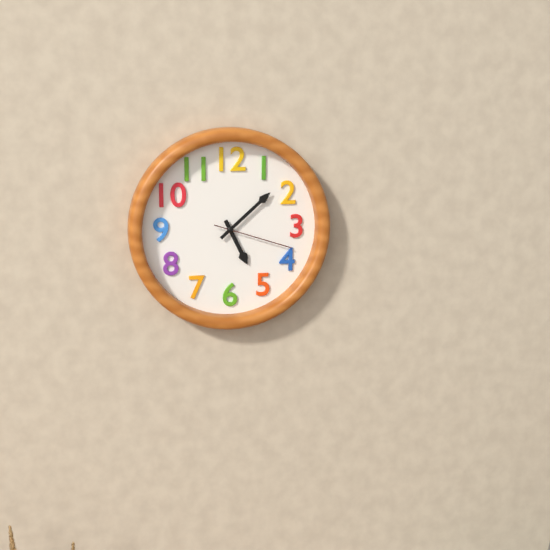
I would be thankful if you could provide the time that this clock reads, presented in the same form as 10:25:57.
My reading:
5:08:18
